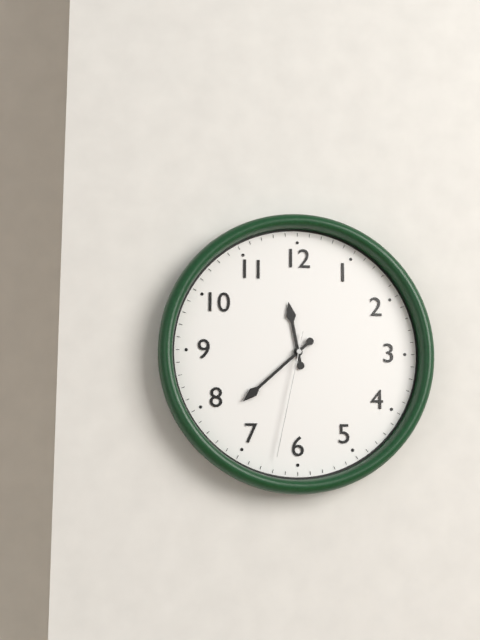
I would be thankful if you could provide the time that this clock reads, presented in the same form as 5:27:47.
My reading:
11:38:32
